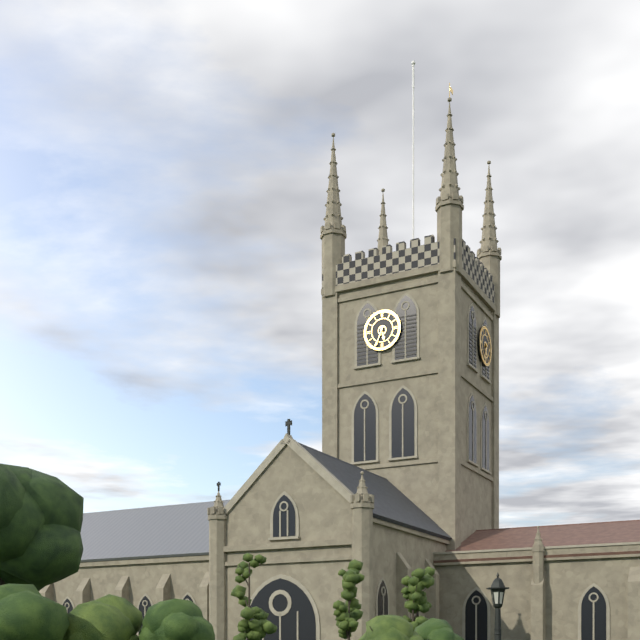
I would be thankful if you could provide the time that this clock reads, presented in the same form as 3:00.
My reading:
5:34
